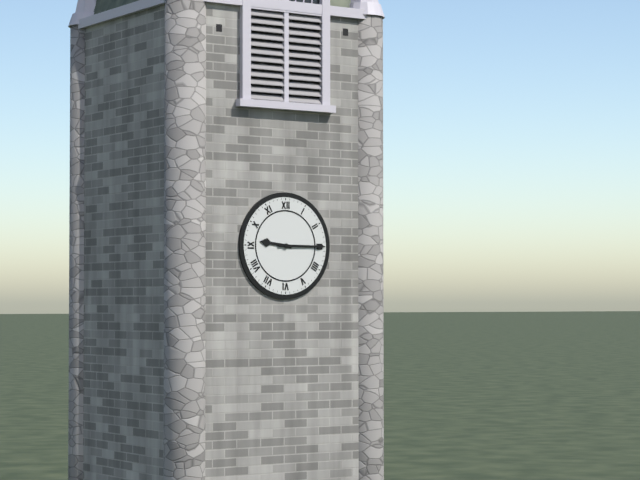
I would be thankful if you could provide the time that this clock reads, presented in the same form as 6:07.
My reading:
9:15
